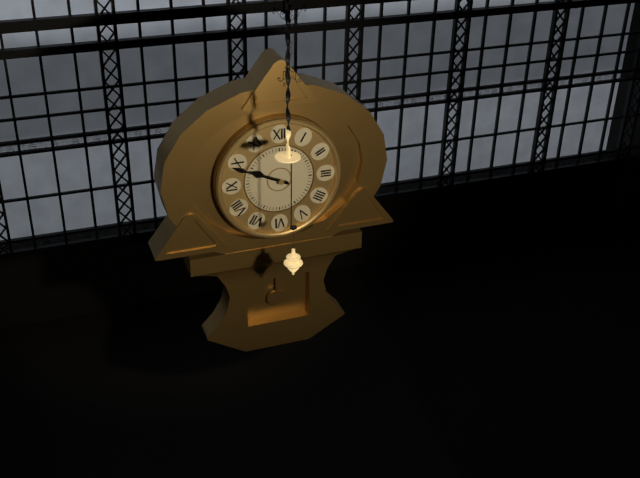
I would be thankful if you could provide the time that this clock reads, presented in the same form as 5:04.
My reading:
9:49
